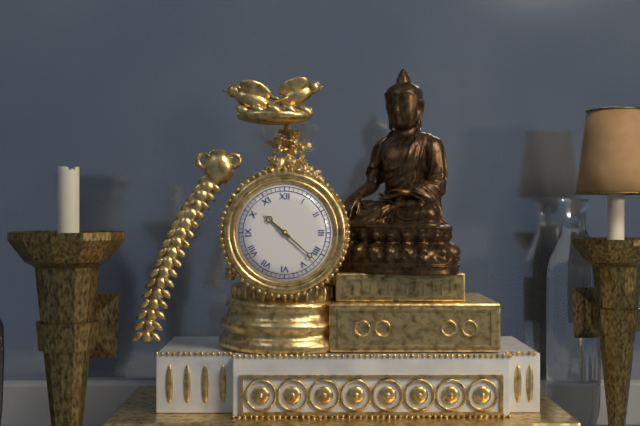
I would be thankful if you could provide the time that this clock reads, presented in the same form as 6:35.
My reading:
10:22
